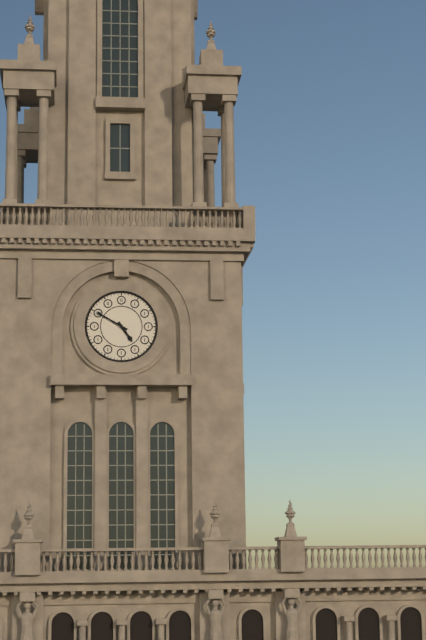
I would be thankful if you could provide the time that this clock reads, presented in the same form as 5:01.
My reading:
4:50
